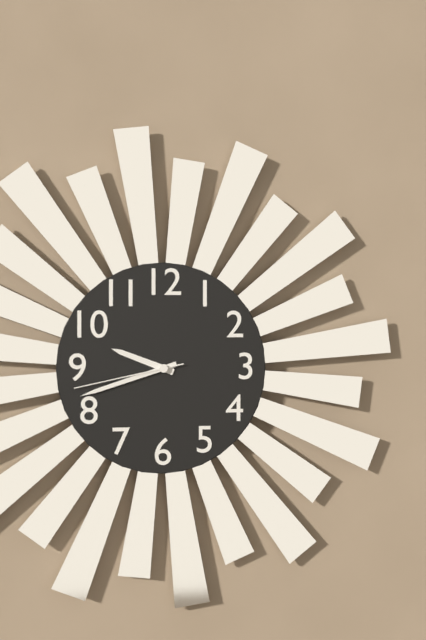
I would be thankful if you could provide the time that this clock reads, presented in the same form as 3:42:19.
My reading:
9:42:43
